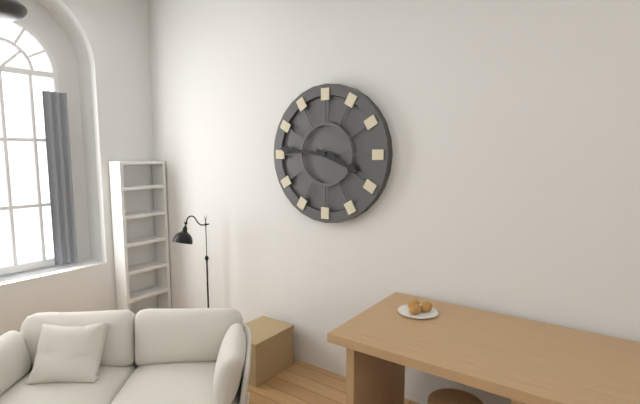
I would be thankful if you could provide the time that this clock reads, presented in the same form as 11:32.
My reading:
3:46
